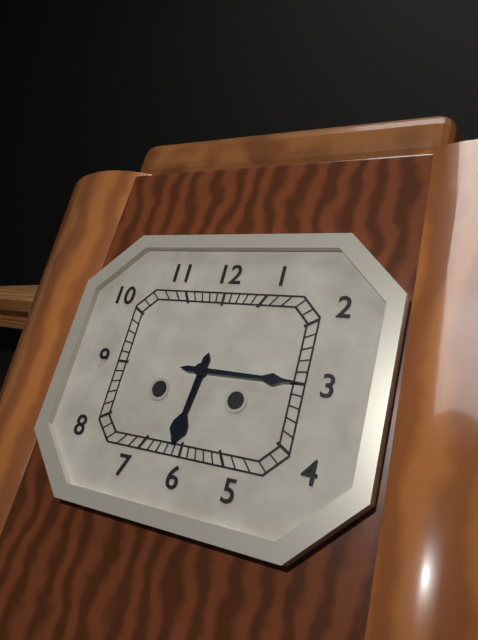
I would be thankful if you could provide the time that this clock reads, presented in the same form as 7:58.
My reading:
6:15
